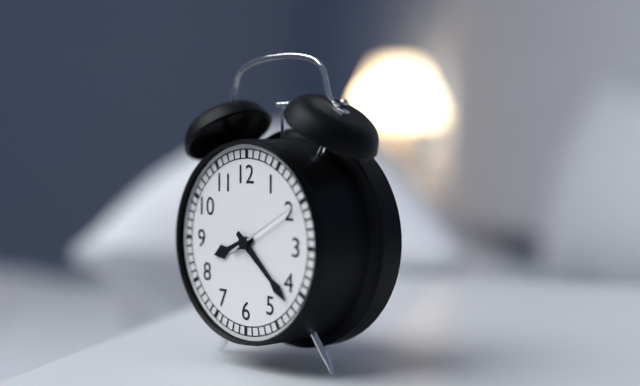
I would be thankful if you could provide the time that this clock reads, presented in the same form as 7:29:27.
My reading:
8:22:10
